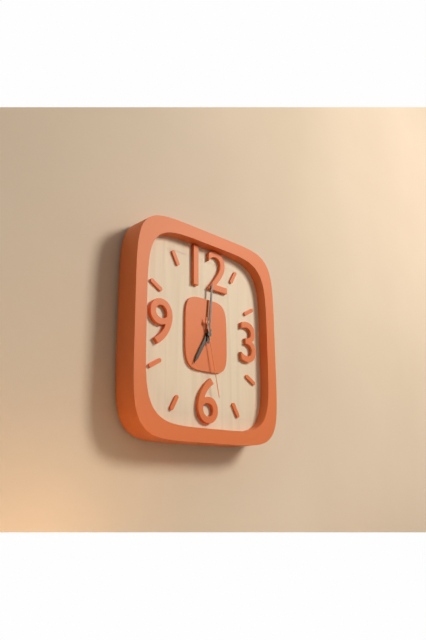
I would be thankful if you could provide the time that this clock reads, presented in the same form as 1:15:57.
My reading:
7:01:28
